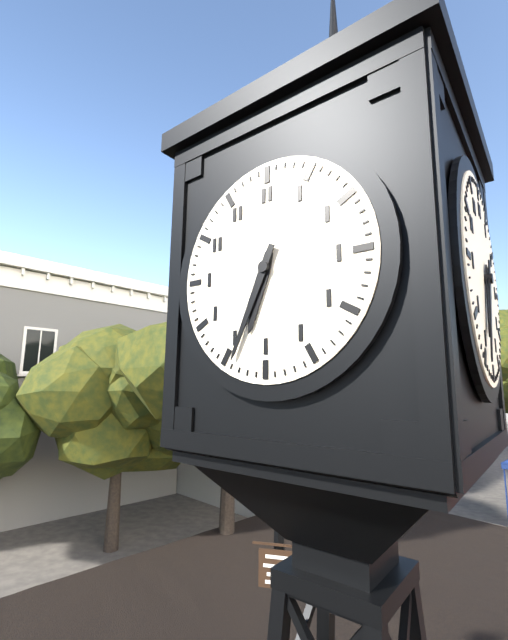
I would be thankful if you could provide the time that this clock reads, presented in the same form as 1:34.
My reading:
6:34
